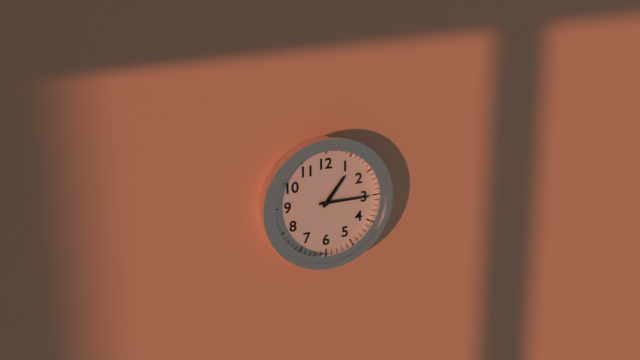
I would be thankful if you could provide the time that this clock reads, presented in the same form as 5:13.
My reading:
1:15
